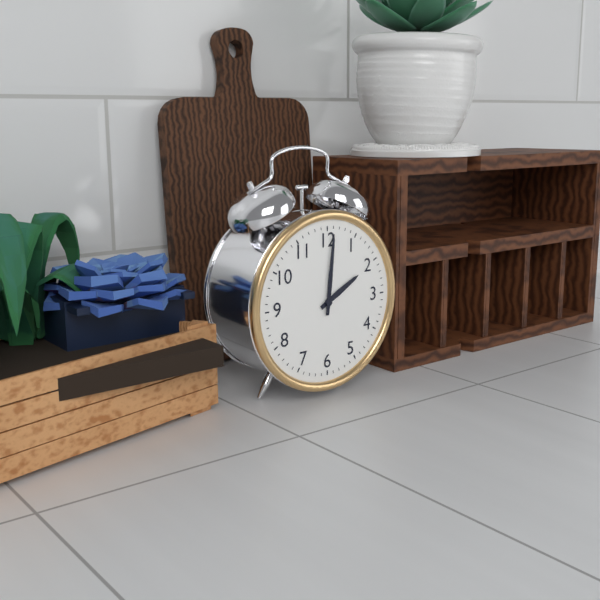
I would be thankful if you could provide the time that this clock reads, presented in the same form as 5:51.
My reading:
2:01
